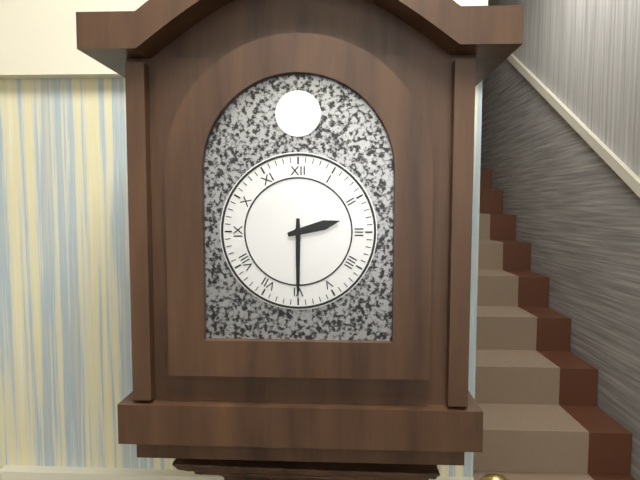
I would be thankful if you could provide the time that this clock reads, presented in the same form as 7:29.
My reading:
2:30
